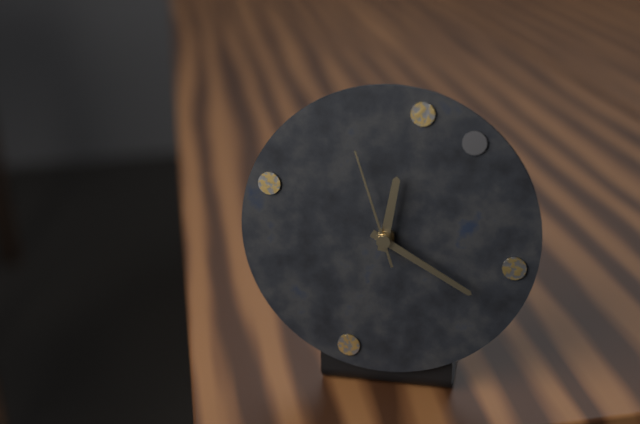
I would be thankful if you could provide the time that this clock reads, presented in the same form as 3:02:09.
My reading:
12:20:57
